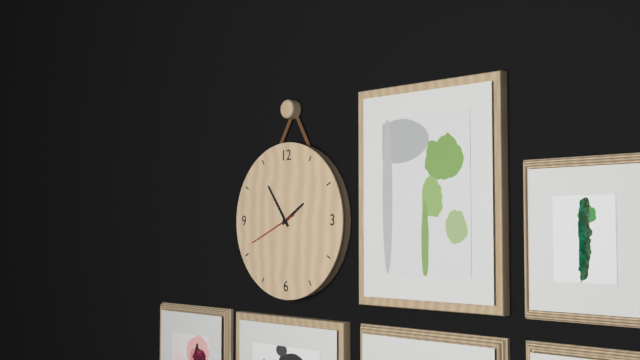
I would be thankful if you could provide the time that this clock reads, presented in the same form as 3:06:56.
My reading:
1:54:41
